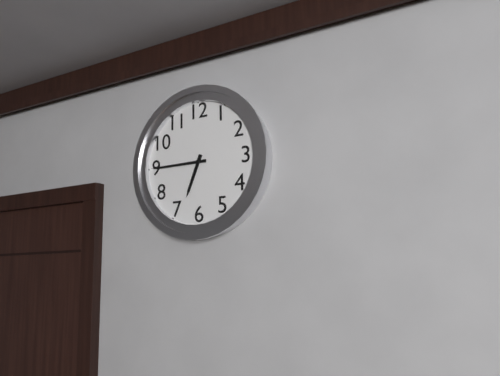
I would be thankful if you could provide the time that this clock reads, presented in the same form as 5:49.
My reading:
6:45
